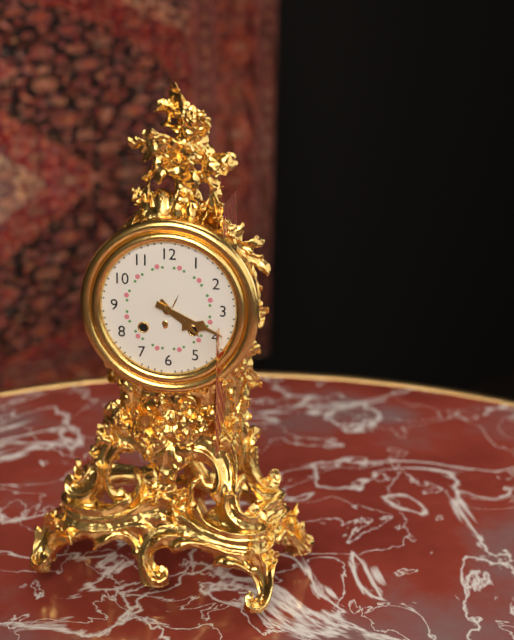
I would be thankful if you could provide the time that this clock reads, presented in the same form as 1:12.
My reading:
4:19
